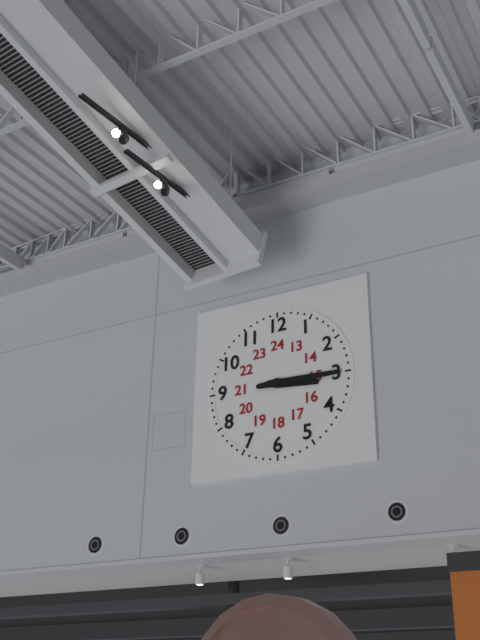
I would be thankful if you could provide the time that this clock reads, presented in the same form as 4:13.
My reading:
3:15
